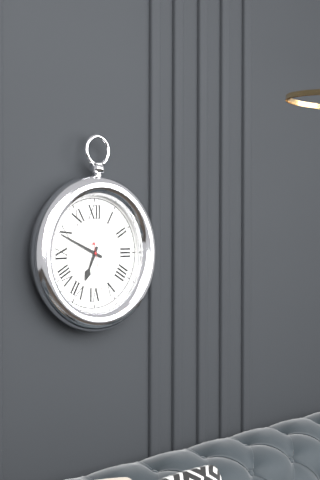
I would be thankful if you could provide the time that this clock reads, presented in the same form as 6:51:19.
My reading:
6:49:28
